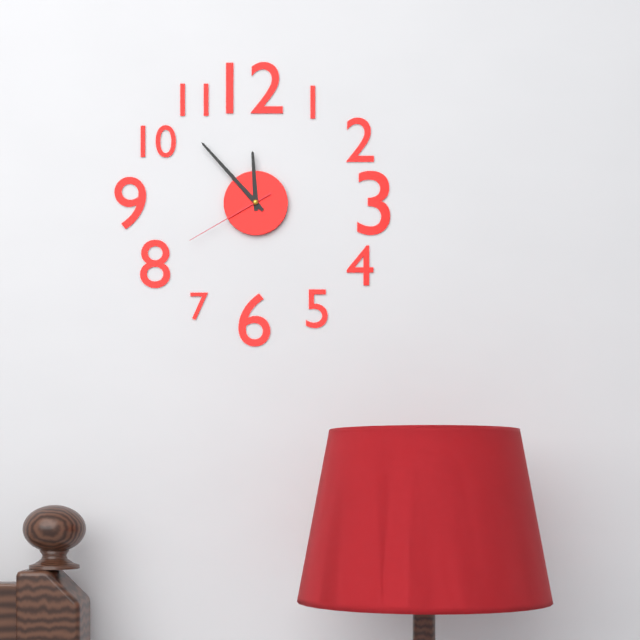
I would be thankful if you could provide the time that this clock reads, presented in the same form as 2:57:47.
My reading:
11:53:40
